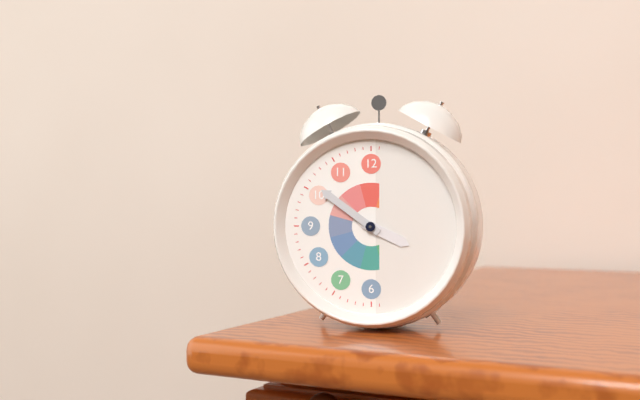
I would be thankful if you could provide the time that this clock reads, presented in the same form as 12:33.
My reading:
3:51
